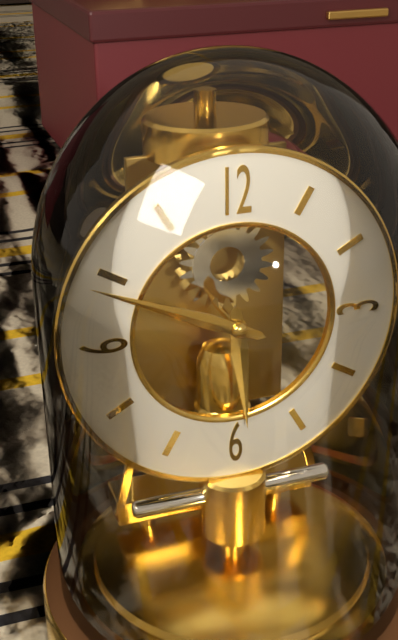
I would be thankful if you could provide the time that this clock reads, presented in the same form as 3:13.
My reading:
5:49
